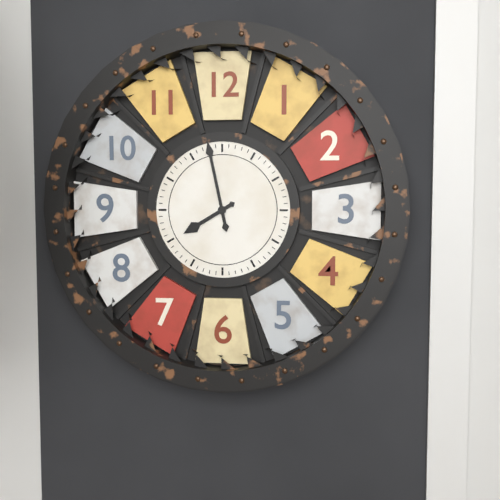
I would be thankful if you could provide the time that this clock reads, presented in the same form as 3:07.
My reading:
7:58
